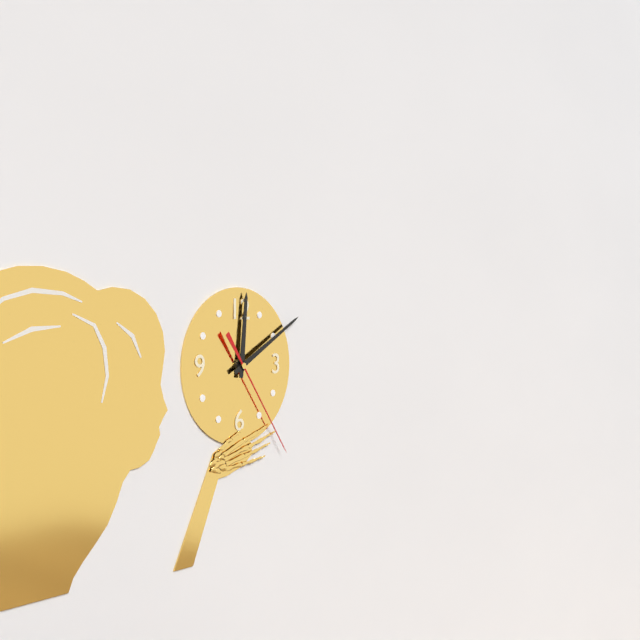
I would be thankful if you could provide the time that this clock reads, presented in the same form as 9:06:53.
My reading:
12:10:24
